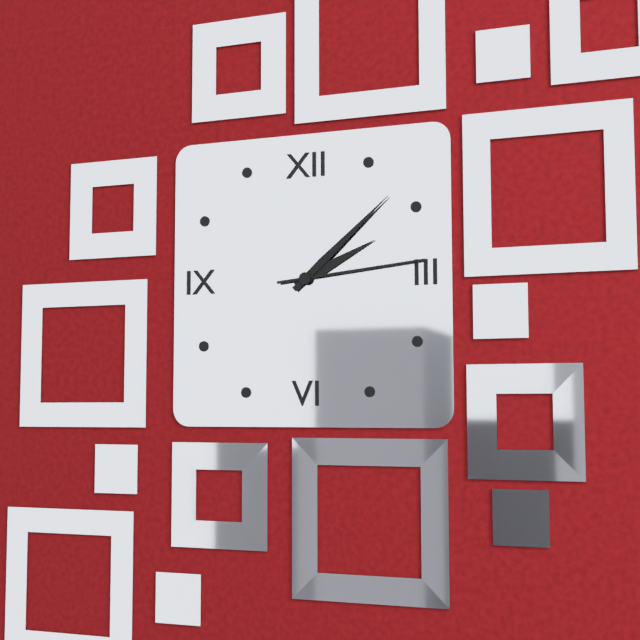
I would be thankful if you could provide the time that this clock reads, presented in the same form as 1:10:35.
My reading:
2:08:14
